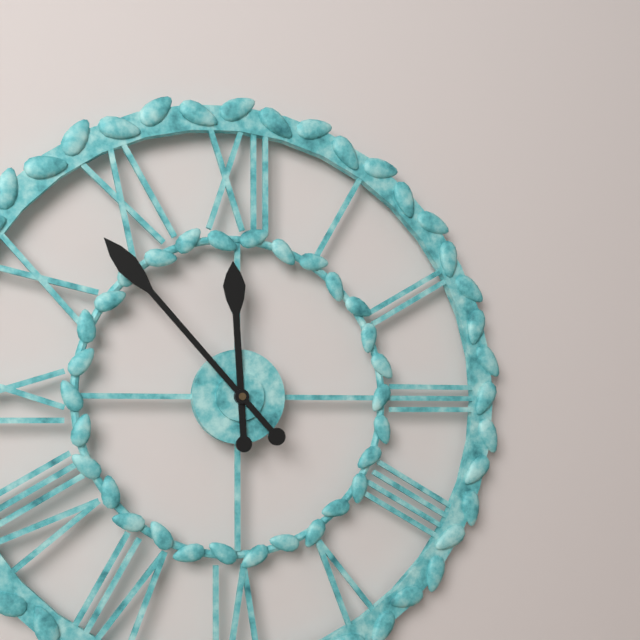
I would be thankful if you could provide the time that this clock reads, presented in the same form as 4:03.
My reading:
11:53
